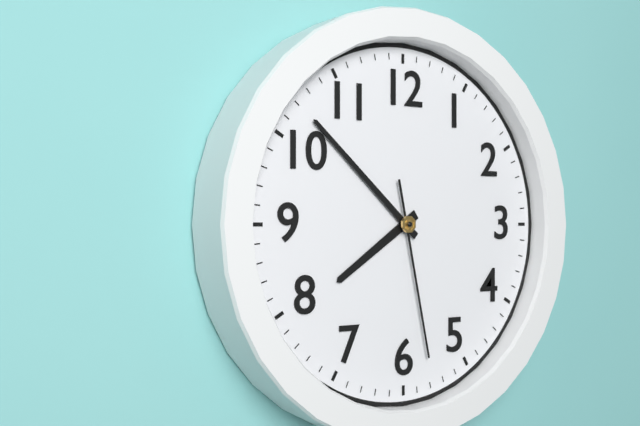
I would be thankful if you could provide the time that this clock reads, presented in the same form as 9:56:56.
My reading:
7:52:28
